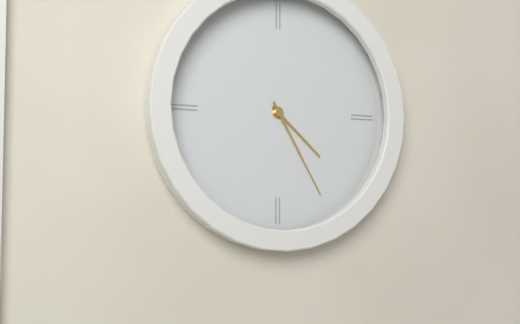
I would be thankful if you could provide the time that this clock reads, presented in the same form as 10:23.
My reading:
4:25
